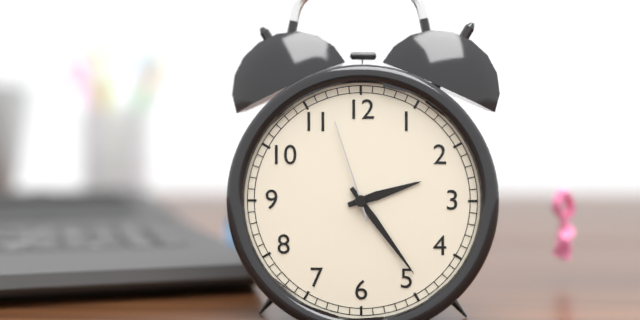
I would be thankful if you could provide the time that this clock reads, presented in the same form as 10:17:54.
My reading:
2:24:57
